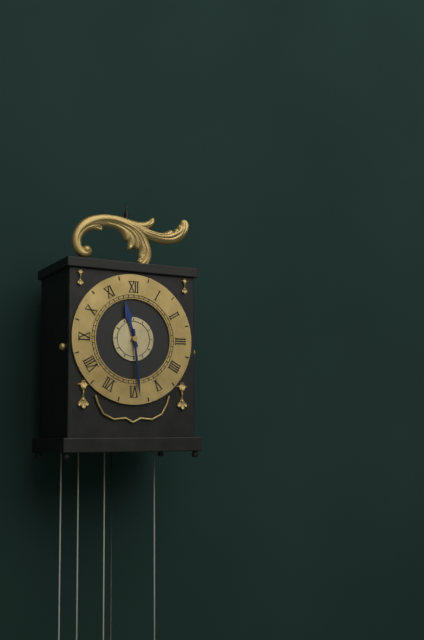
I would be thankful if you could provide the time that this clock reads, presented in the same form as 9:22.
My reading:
11:29
